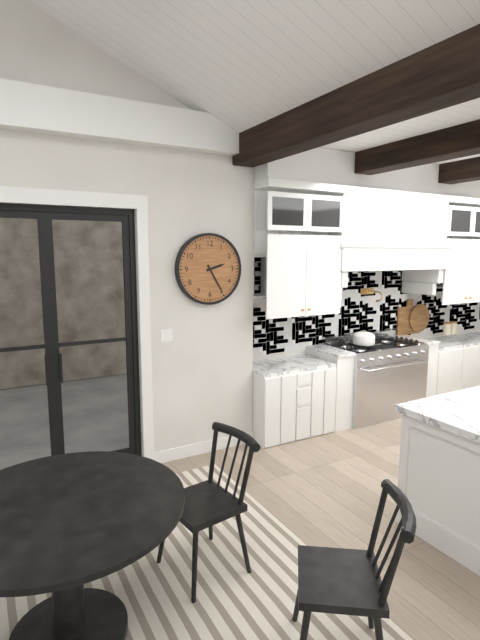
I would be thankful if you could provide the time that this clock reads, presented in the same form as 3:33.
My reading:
2:25
